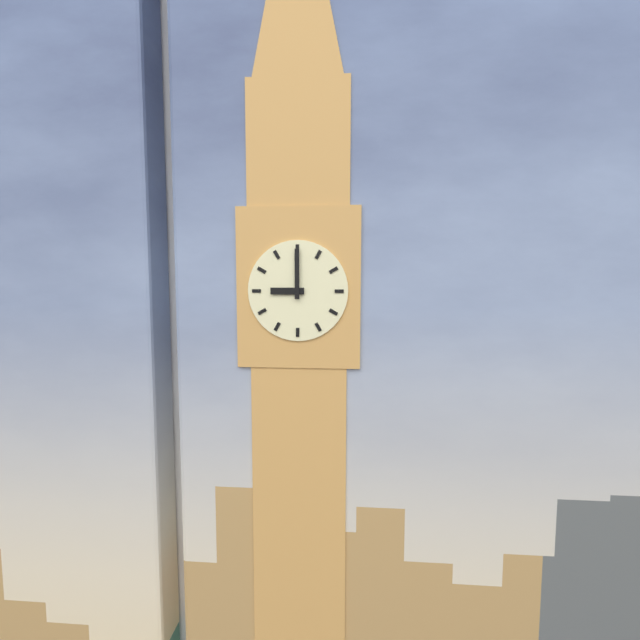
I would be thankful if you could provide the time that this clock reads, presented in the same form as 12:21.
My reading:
9:00
